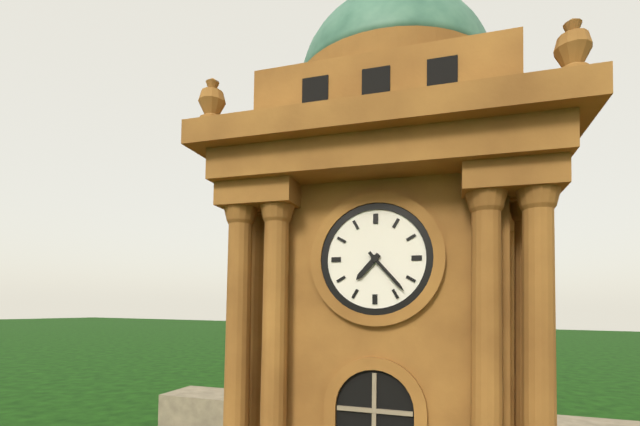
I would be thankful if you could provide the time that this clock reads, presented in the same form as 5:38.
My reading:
7:23
